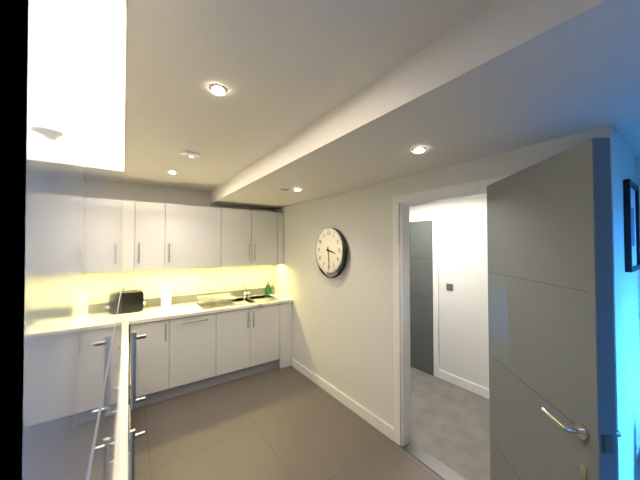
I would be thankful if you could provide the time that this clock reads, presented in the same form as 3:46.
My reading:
3:29
